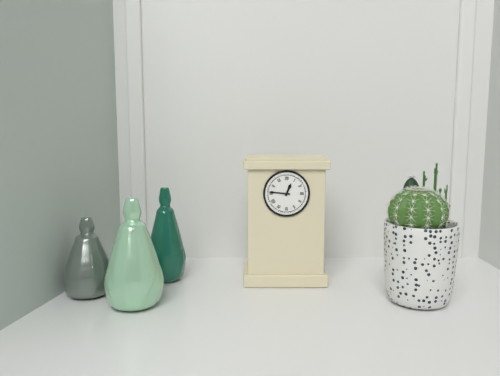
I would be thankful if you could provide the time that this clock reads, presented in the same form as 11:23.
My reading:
12:46
